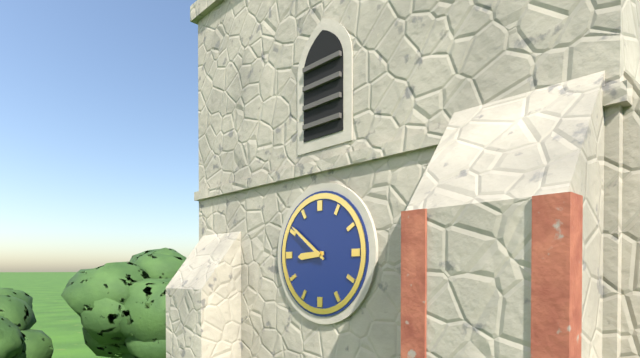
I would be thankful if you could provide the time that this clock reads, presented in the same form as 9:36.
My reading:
8:51
